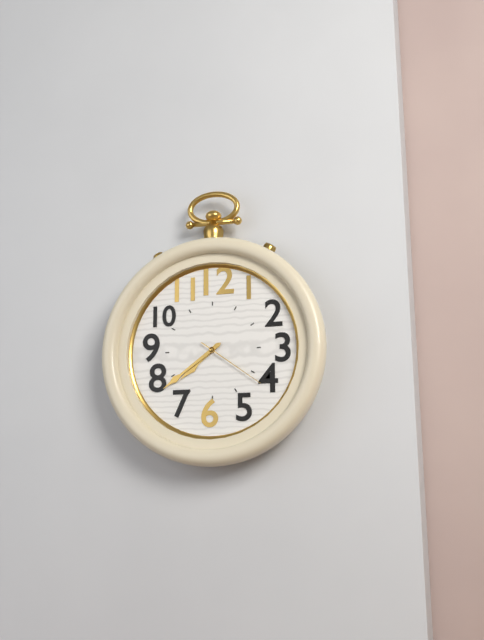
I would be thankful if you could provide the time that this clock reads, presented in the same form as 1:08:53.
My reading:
7:39:21
